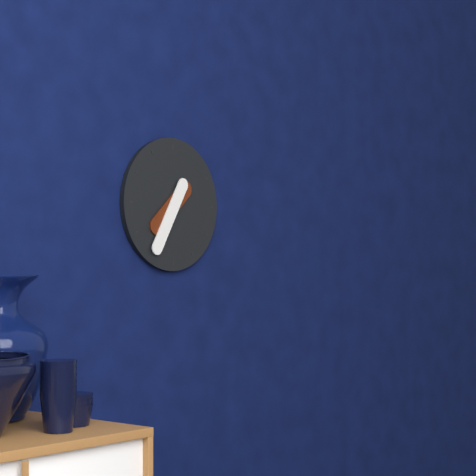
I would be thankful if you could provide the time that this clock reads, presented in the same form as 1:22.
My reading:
7:35
